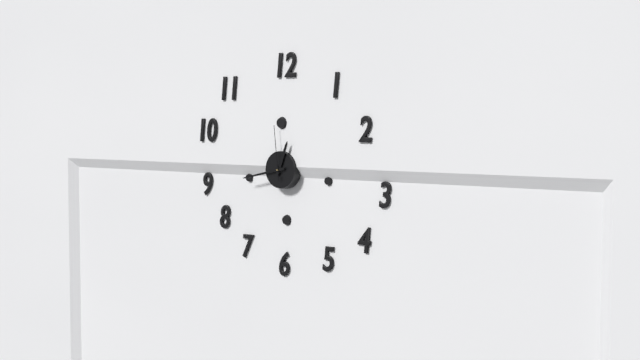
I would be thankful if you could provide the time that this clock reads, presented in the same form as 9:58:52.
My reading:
12:43:59
